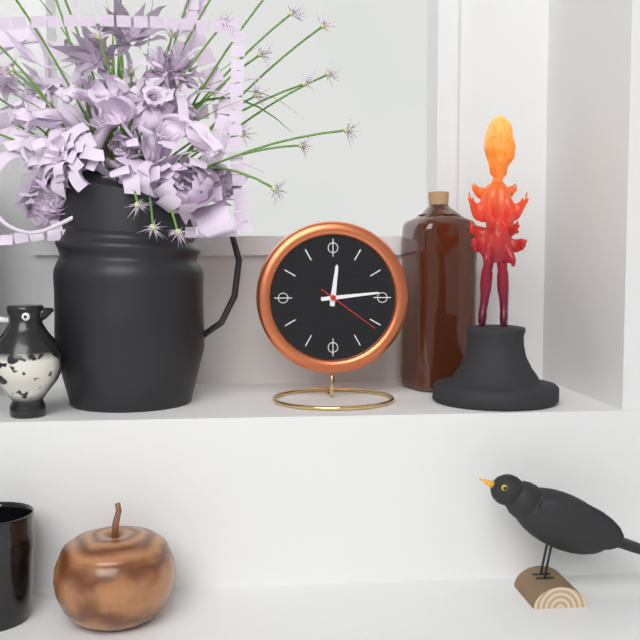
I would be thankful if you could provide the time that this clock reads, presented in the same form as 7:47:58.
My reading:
12:14:21
